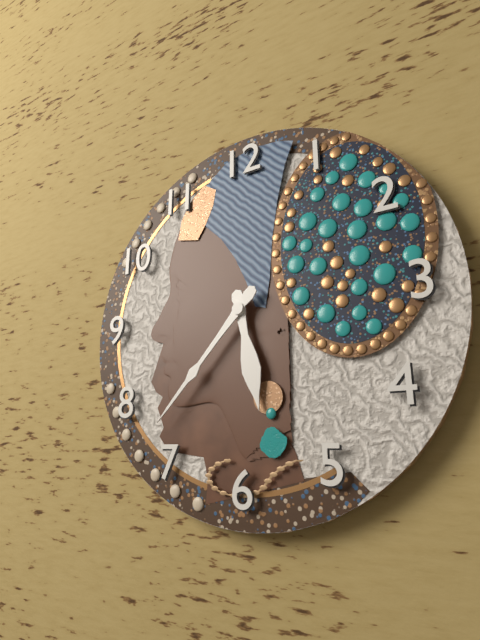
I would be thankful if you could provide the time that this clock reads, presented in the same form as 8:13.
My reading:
5:37
